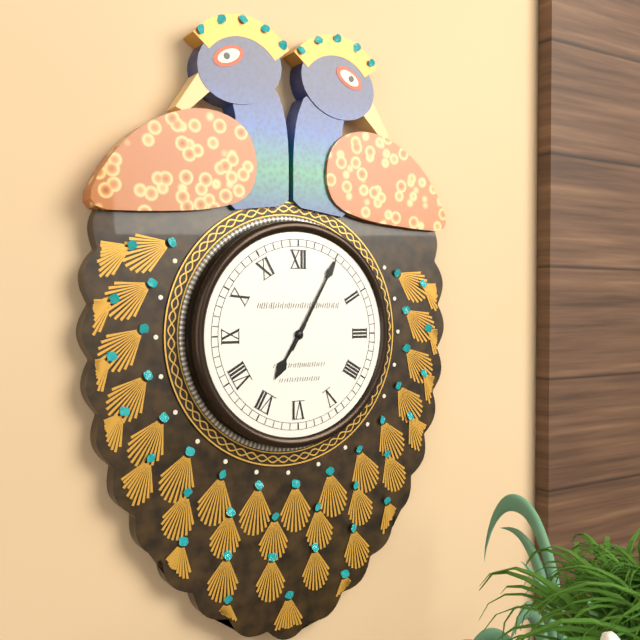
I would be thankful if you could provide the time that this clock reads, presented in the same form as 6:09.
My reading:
7:05
